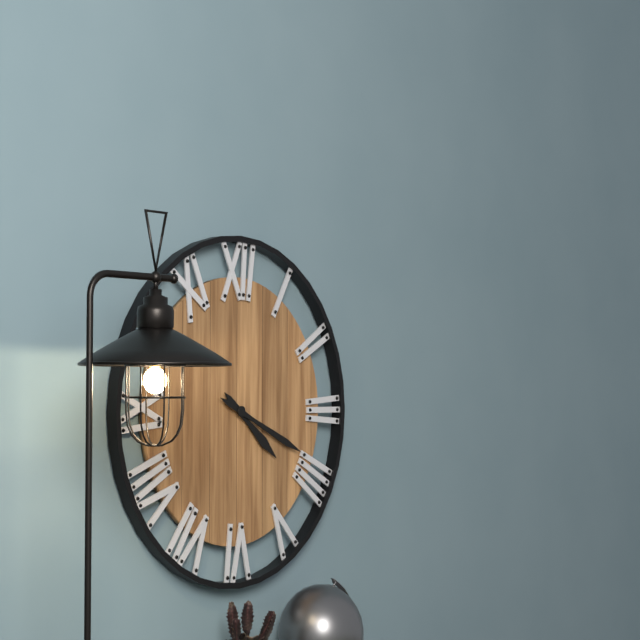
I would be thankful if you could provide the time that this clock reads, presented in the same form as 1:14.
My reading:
4:19
